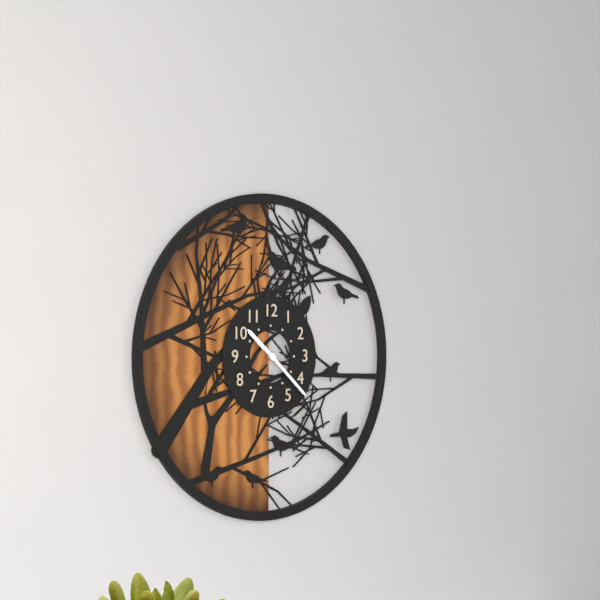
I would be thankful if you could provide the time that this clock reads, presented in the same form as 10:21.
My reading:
10:22
